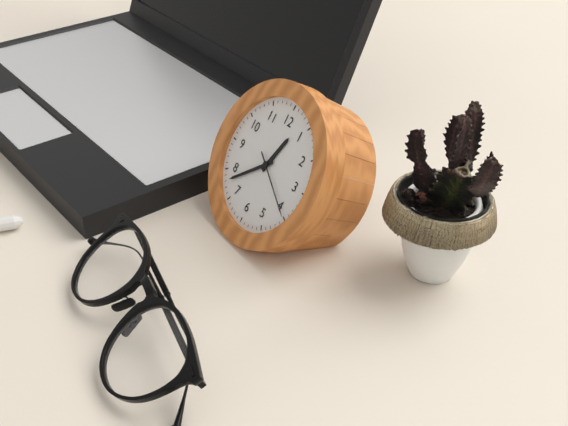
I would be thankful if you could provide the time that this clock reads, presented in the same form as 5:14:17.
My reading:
12:38:20
